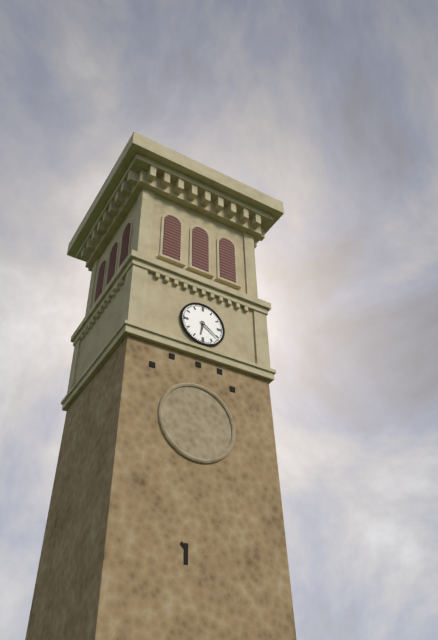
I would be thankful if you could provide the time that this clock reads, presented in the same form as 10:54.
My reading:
6:21
